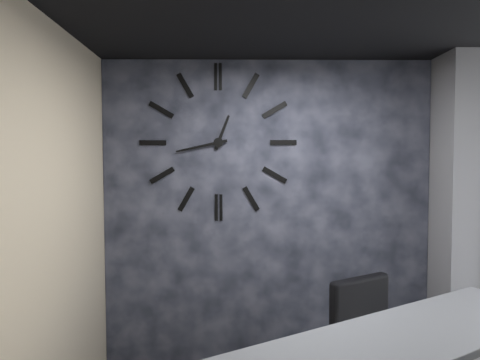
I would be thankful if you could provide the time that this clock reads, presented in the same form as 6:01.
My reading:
12:43
